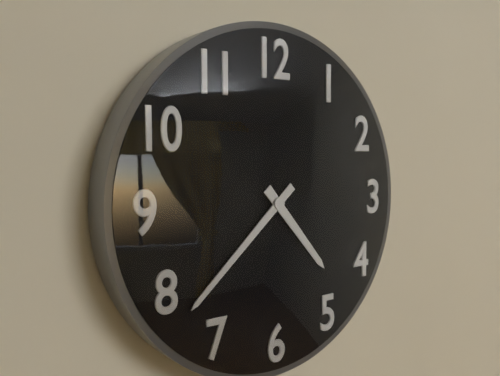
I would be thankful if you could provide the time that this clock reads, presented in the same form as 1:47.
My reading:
4:38
